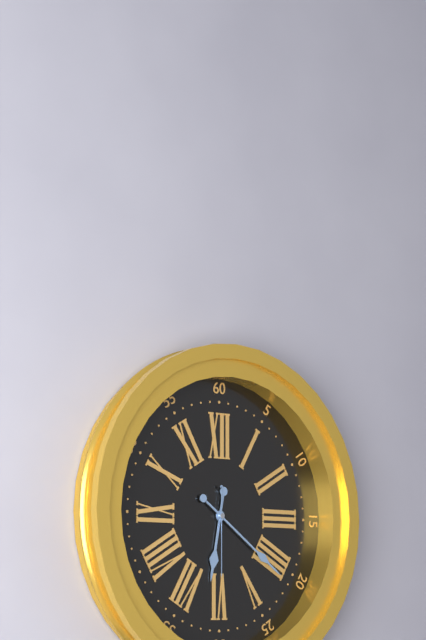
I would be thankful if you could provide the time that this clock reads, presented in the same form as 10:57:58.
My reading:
6:21:30
